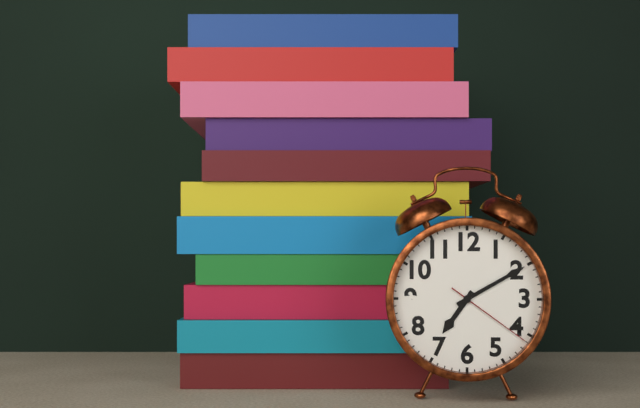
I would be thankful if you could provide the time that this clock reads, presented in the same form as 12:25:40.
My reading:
7:10:21
